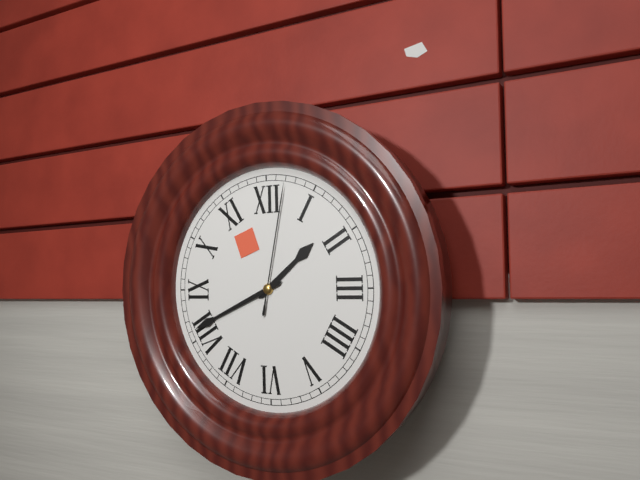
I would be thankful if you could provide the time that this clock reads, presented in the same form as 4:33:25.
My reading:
1:41:02
